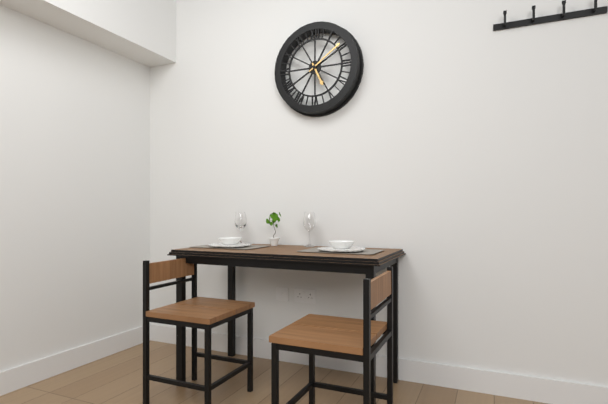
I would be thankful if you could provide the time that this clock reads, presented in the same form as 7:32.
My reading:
5:09
